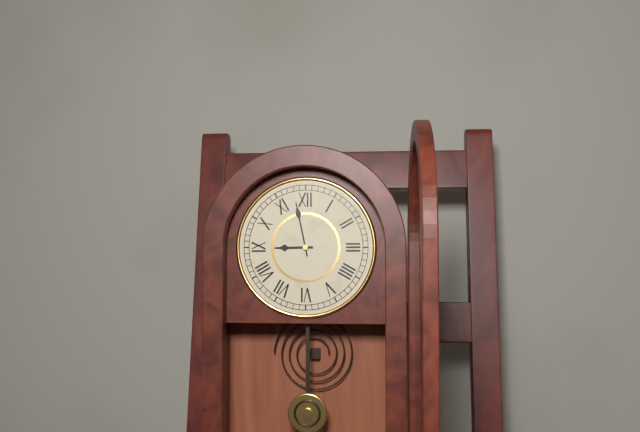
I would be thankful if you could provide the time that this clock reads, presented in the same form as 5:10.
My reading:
8:58
